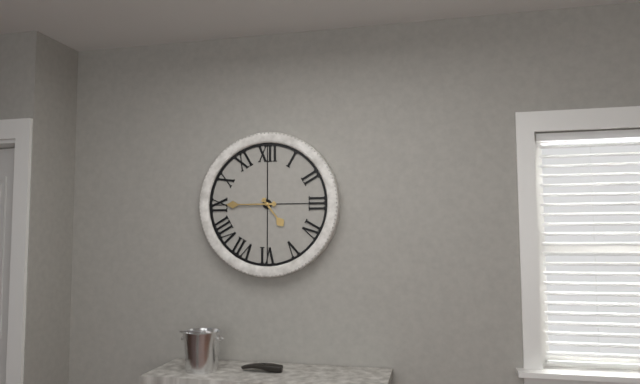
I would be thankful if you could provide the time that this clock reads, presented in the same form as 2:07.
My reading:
4:45
